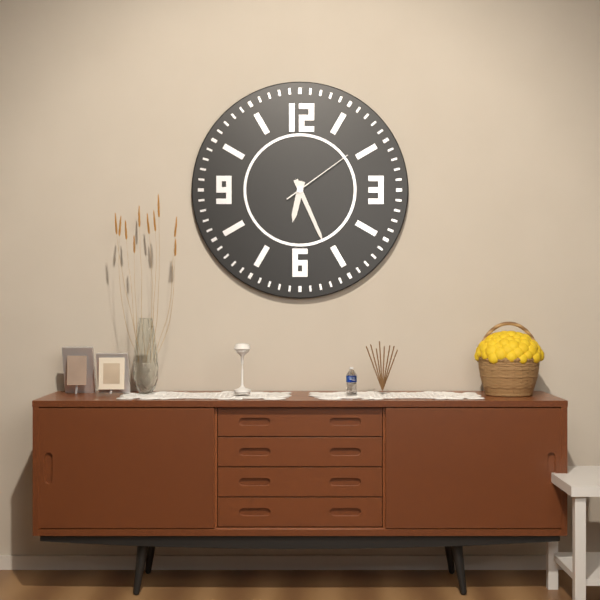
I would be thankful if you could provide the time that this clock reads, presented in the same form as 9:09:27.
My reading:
6:26:09
